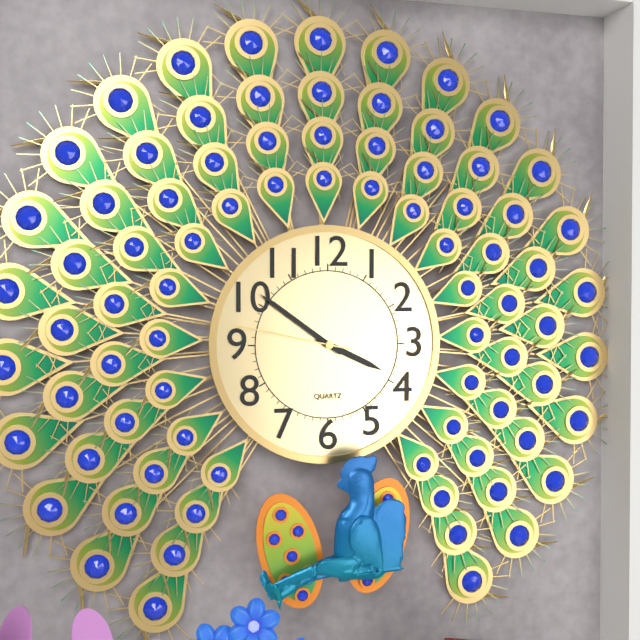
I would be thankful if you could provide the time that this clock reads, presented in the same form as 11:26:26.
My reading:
3:51:47
